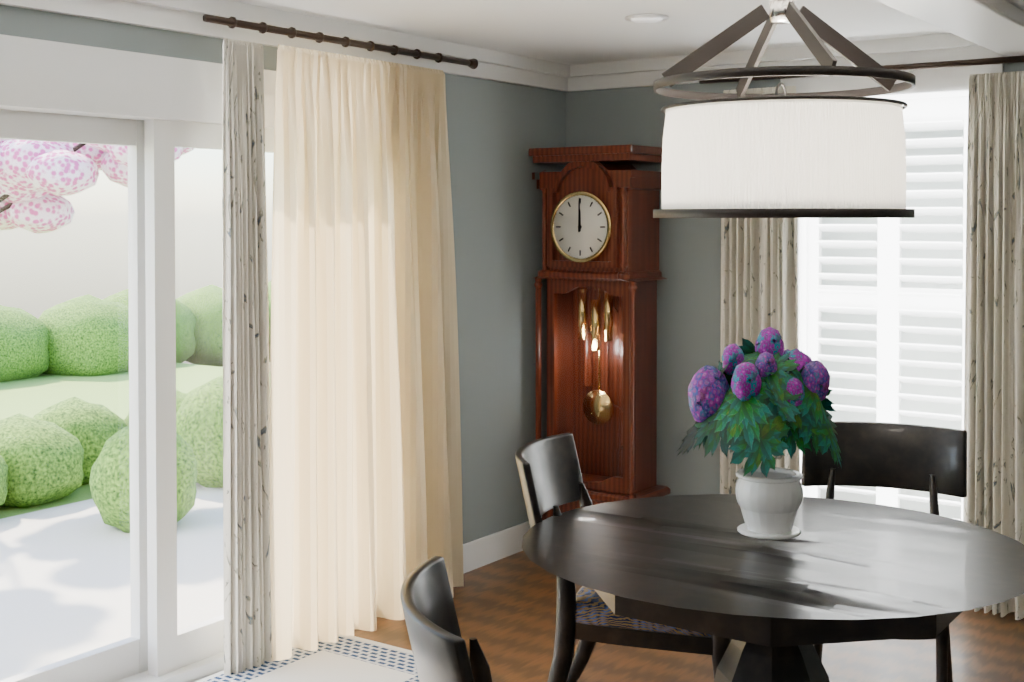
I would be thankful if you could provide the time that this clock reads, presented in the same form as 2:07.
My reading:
12:00
